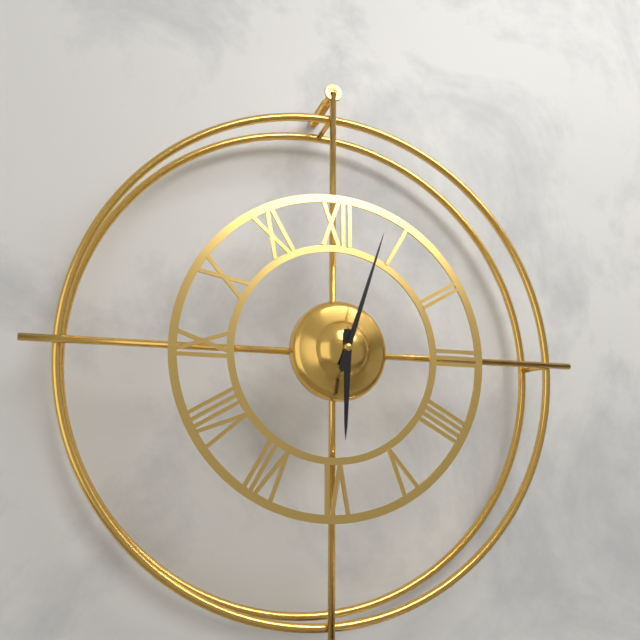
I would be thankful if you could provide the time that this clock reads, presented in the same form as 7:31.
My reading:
6:03
